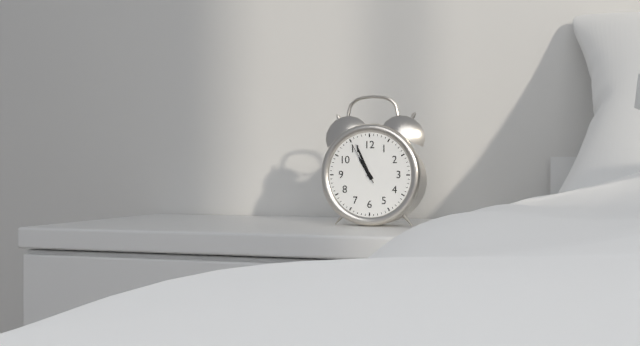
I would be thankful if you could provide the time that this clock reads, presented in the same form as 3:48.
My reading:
10:56
